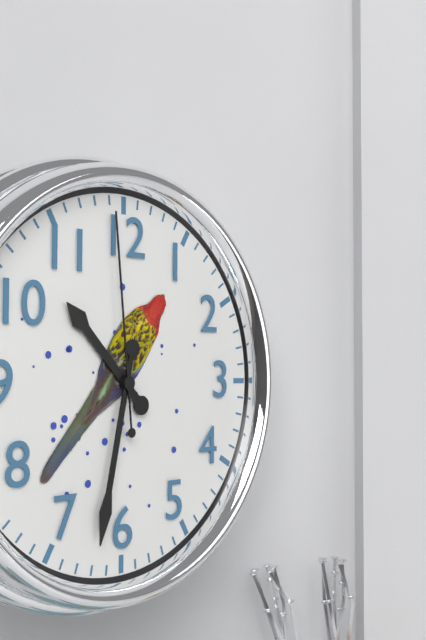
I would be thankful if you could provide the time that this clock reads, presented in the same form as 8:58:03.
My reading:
10:32:59
